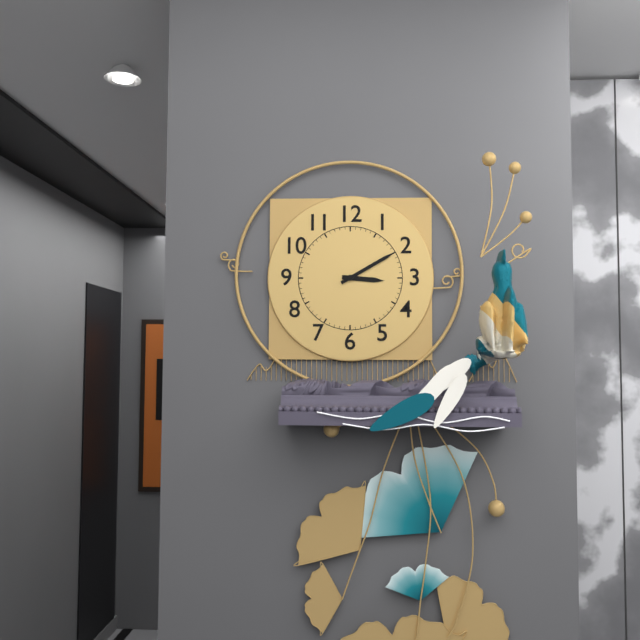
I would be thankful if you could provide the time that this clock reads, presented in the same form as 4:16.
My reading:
3:10
